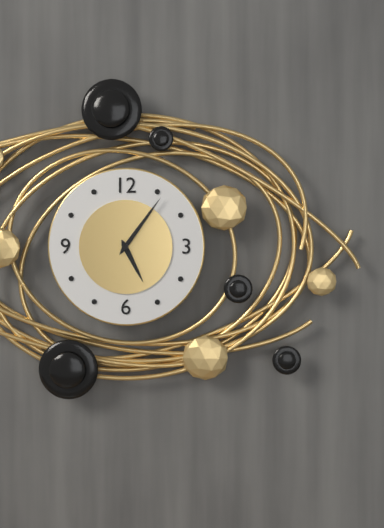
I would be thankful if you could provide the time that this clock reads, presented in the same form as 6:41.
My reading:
5:06
